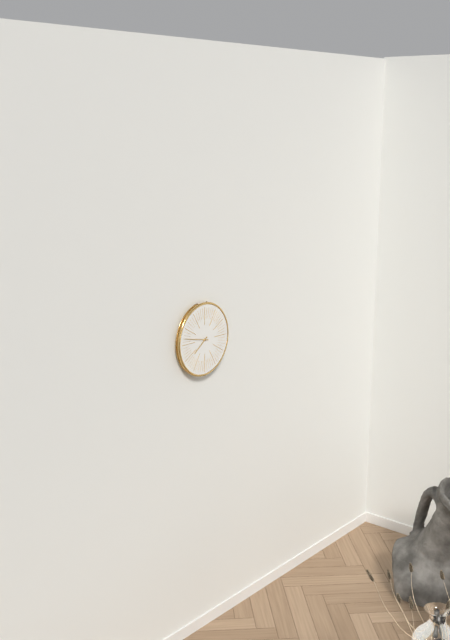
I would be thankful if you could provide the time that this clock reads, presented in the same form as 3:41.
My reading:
7:47
